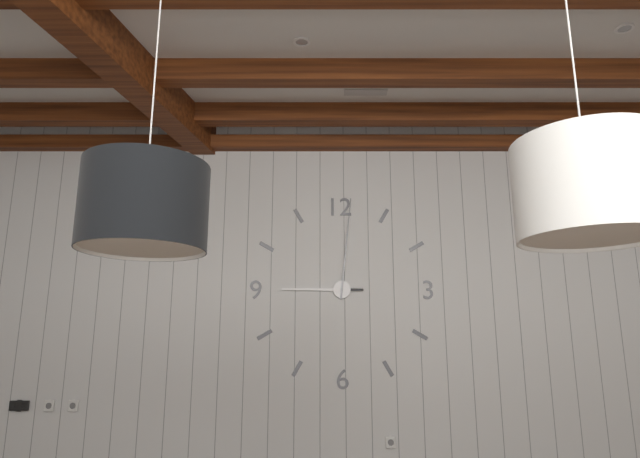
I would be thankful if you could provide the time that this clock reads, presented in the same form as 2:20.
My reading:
9:01
